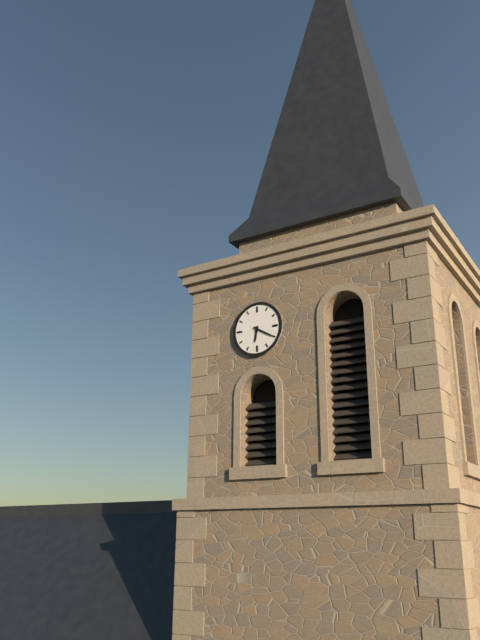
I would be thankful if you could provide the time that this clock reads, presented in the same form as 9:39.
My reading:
6:20
